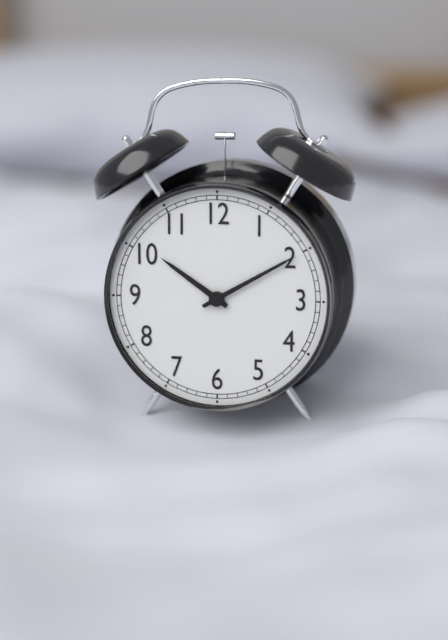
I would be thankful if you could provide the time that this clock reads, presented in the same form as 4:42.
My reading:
10:10
